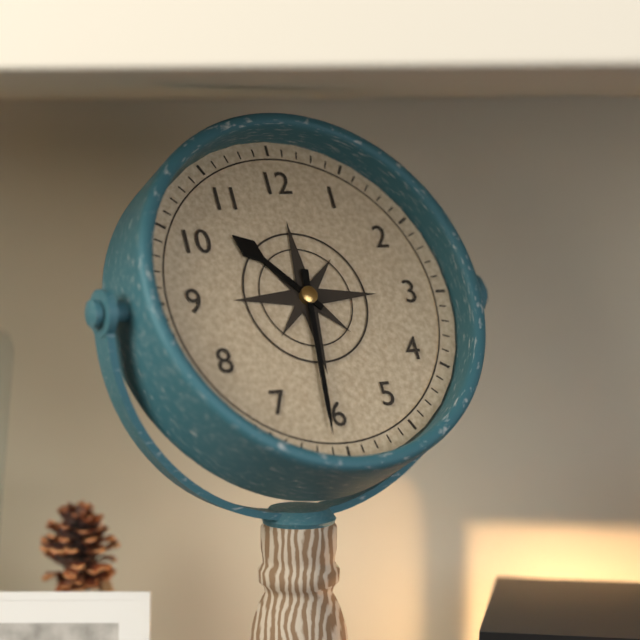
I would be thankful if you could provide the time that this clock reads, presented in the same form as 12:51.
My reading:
10:31
